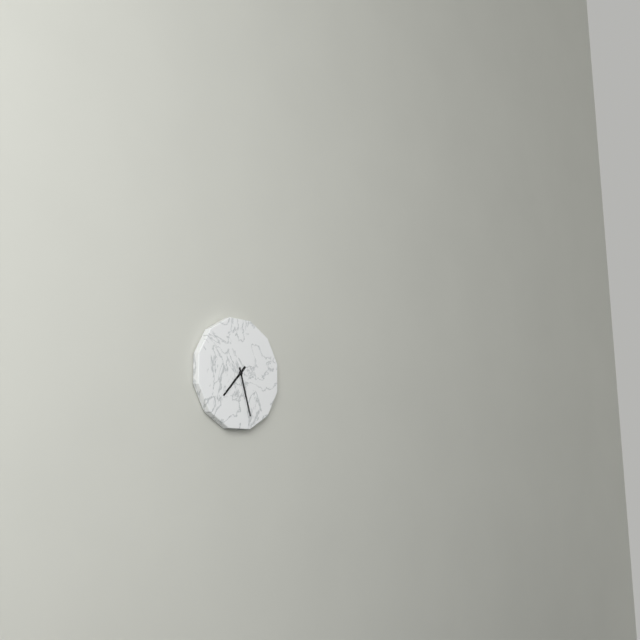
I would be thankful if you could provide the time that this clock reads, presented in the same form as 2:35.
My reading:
7:27
